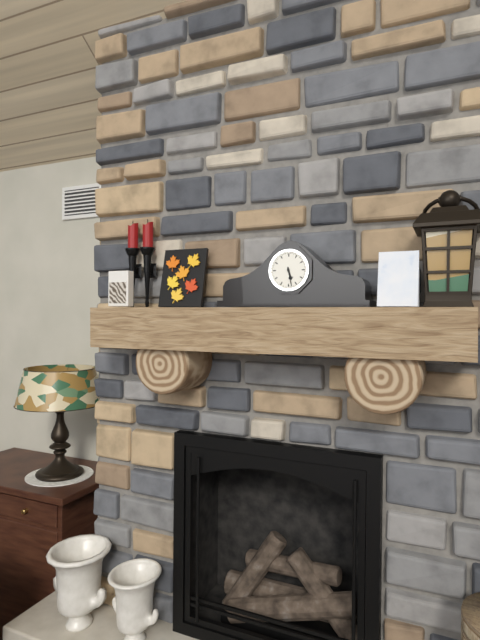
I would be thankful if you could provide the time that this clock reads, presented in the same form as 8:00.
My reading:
5:28
